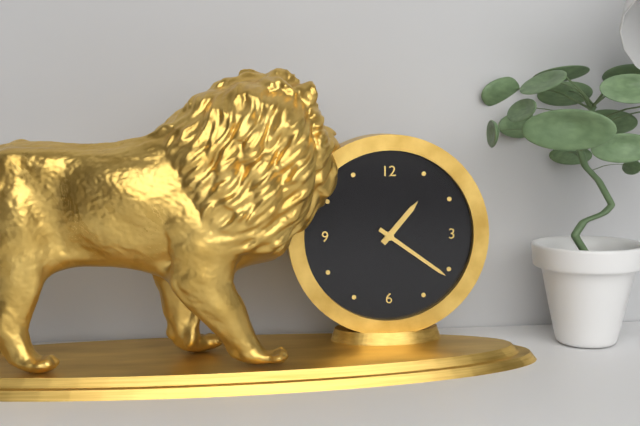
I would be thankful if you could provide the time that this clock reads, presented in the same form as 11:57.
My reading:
1:21
